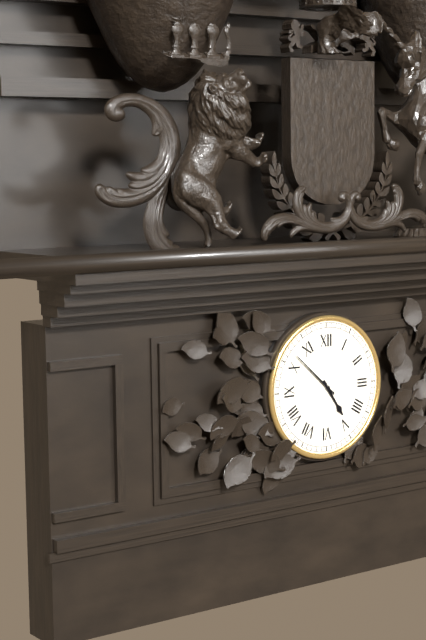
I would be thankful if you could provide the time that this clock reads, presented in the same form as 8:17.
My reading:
4:52
